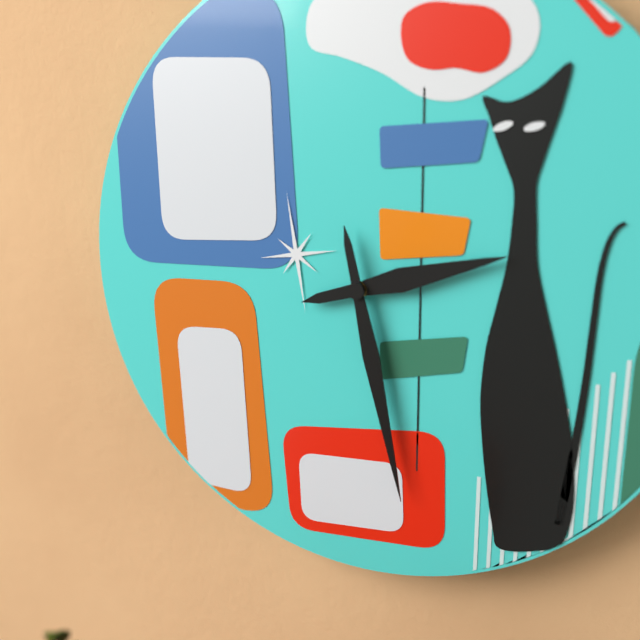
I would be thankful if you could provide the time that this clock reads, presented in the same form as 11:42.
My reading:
2:28
